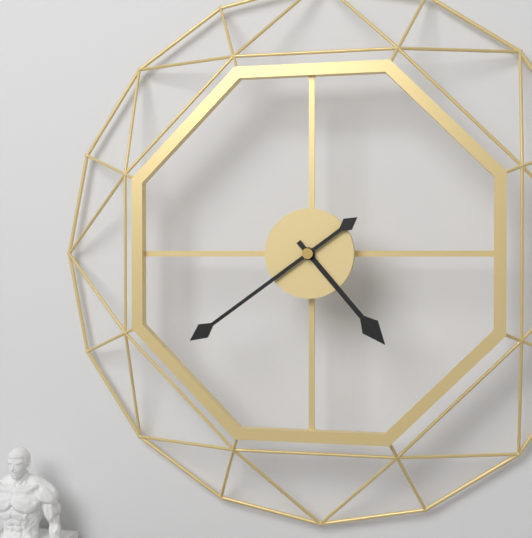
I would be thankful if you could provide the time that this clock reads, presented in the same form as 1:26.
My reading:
4:39
